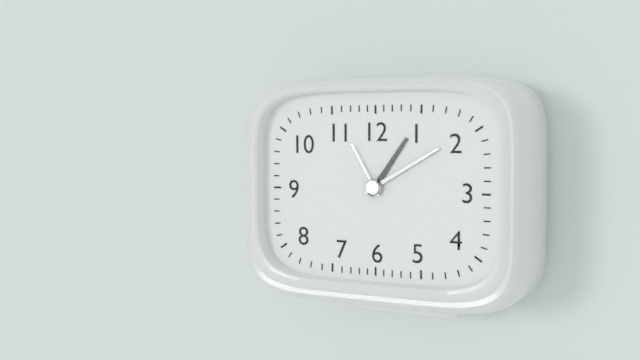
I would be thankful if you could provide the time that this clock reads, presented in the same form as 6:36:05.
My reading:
1:10:55
